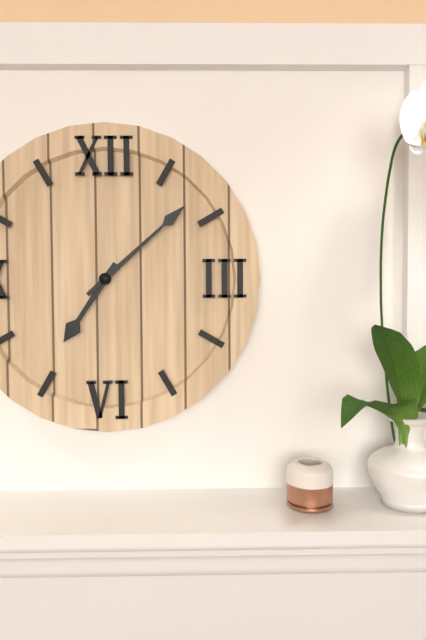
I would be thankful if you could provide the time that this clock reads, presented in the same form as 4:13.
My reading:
7:08
